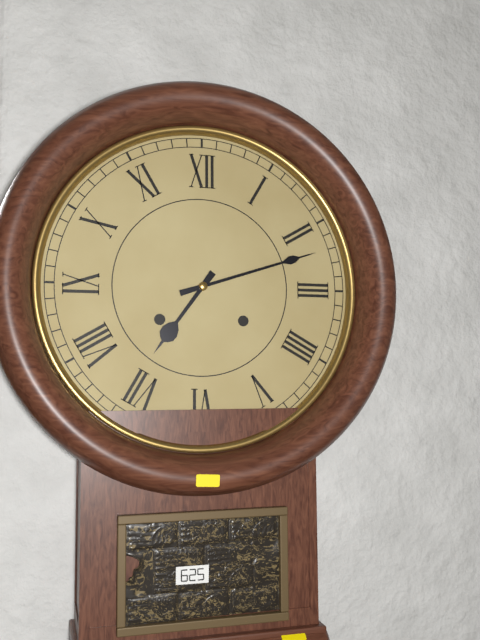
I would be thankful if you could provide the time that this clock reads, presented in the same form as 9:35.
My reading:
7:12
